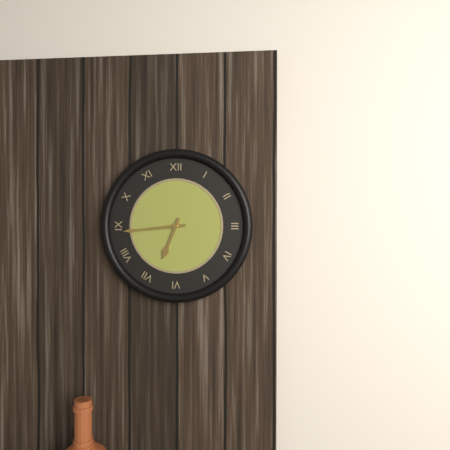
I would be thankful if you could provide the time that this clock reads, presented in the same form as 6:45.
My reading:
6:44
